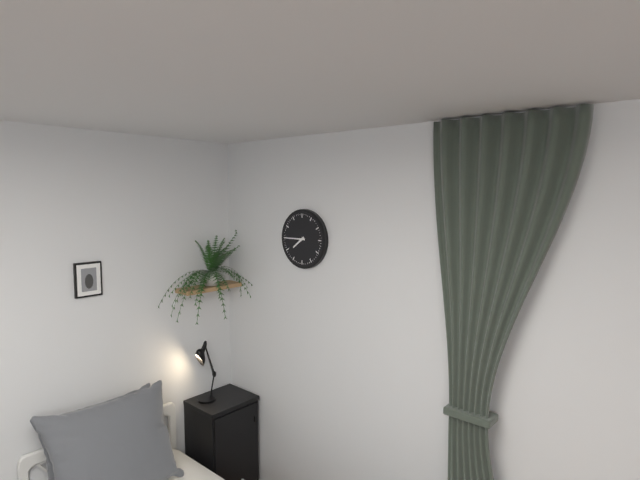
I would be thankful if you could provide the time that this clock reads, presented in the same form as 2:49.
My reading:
7:45
